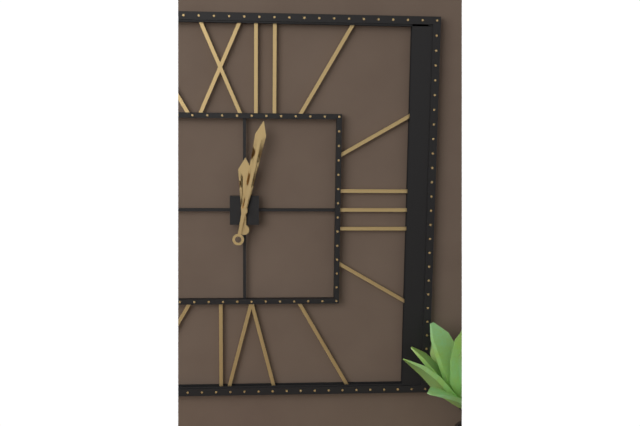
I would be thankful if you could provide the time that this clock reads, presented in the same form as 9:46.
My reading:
12:02
